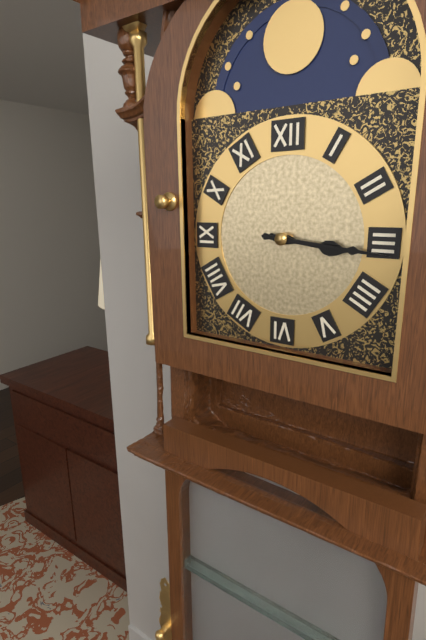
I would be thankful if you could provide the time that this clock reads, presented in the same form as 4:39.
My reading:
3:16
